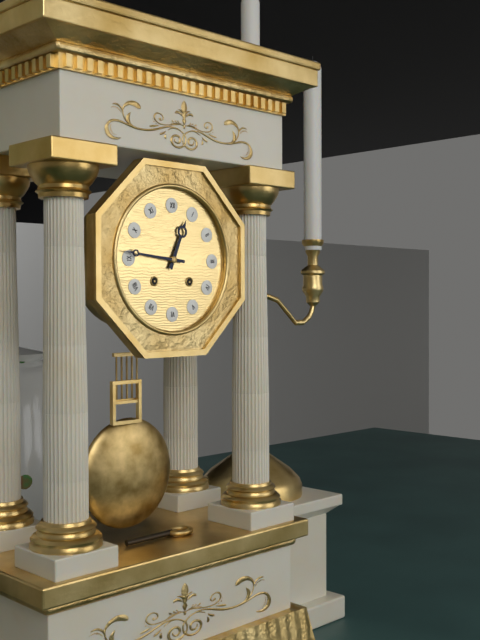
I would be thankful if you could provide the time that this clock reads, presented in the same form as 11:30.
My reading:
12:46
